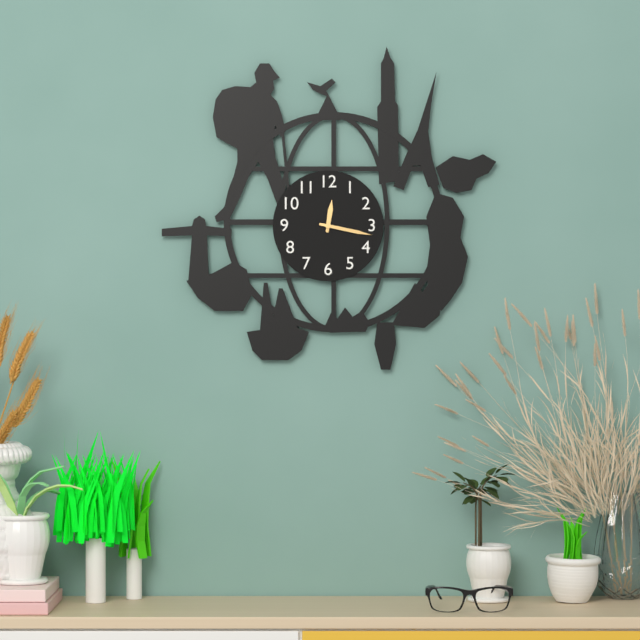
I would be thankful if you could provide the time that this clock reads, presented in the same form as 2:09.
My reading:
12:17
